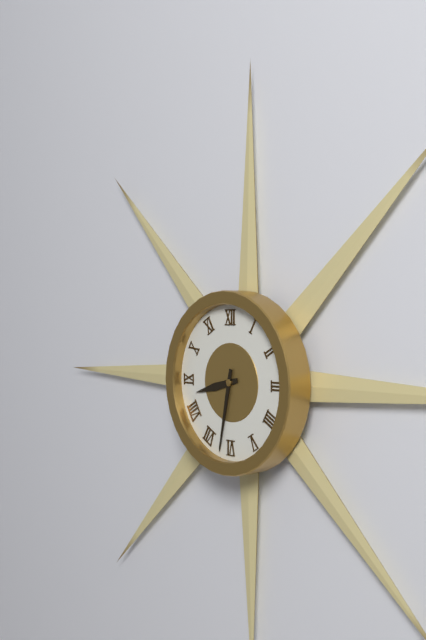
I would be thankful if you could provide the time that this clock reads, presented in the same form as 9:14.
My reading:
8:32
